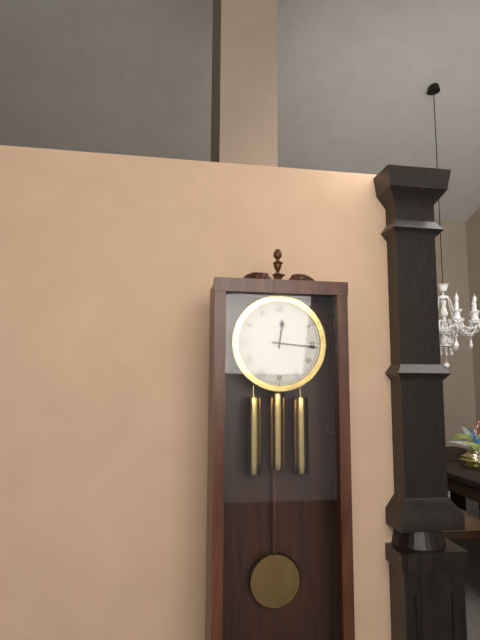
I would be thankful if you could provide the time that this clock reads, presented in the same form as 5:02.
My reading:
12:16
